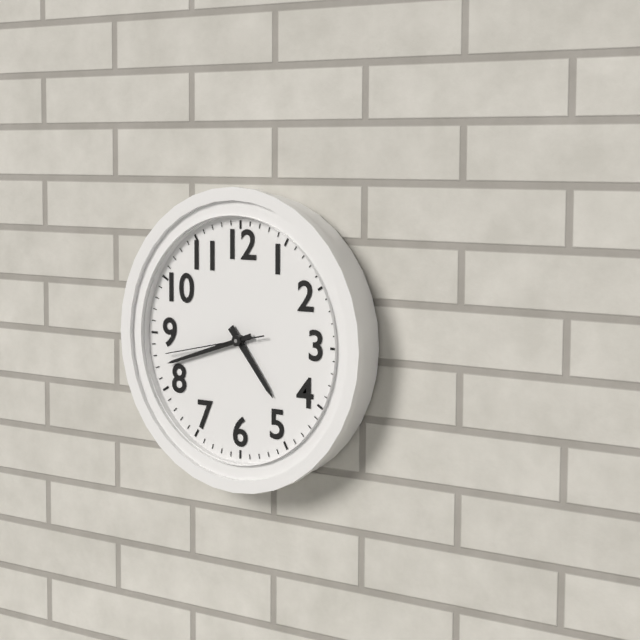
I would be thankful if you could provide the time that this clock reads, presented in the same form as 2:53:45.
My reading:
4:42:43
